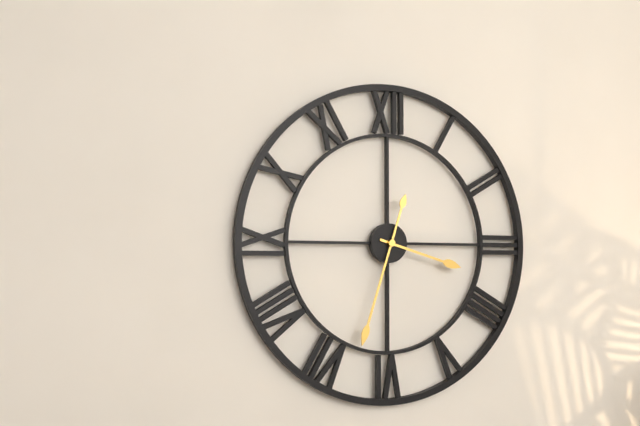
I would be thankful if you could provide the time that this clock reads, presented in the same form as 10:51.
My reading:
3:33
